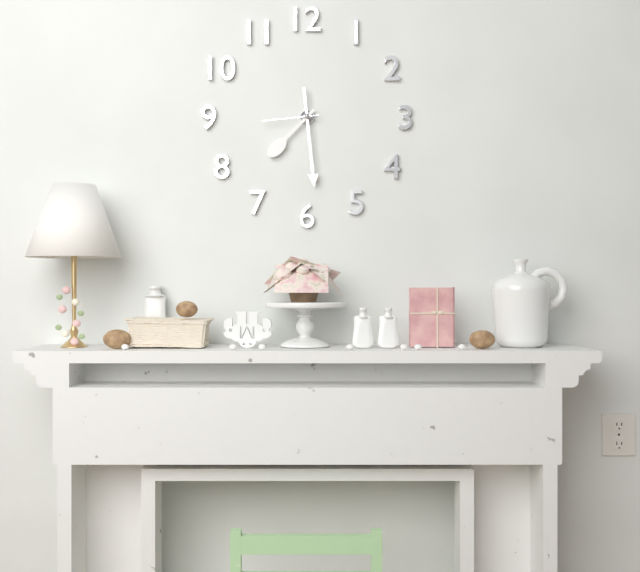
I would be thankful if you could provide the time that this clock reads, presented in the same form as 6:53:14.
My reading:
7:29:44
